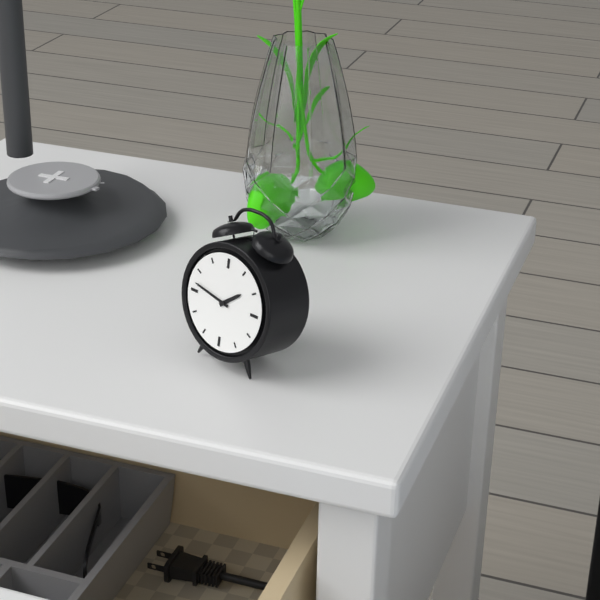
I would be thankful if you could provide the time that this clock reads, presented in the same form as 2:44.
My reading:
1:47
